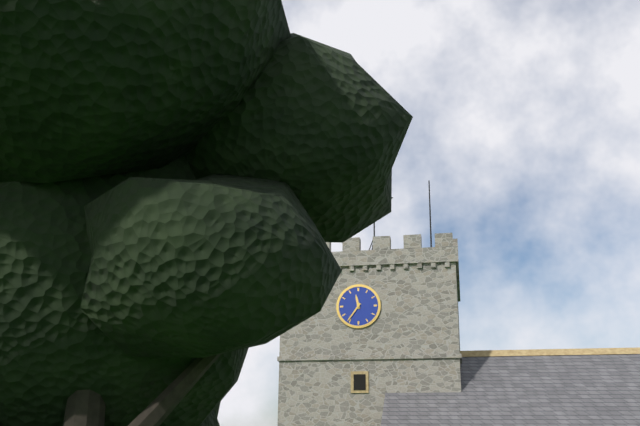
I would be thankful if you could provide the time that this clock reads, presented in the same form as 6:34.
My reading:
11:36
